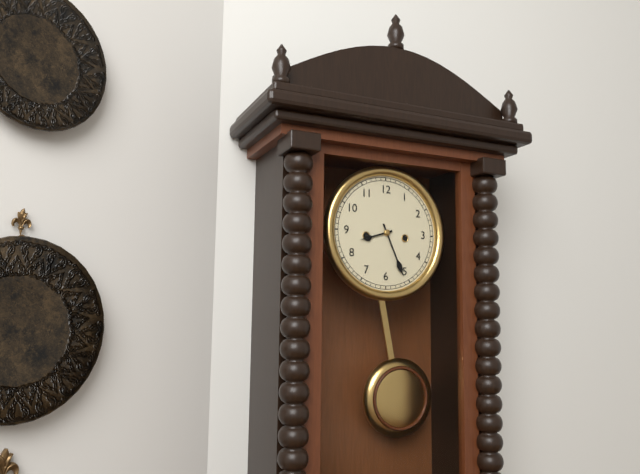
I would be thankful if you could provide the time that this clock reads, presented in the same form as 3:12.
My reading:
8:26
